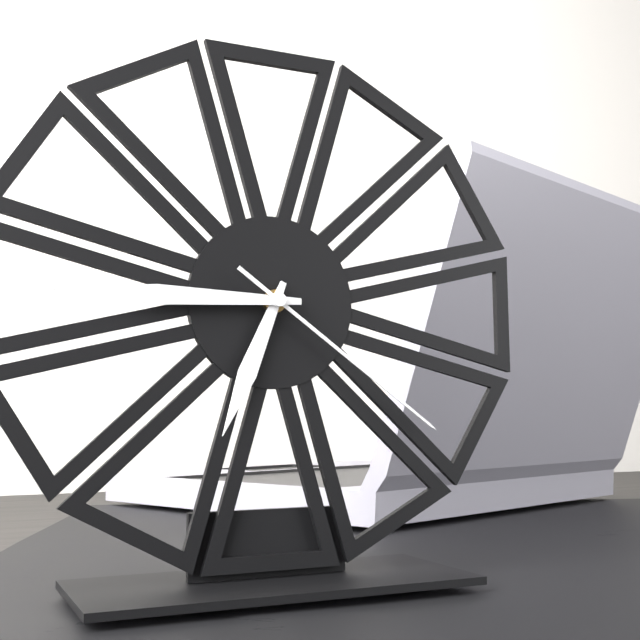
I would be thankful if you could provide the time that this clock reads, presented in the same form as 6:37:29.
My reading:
6:45:21
